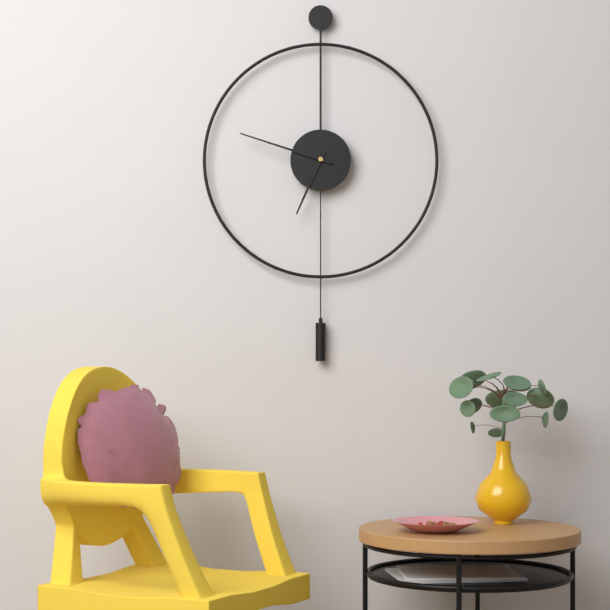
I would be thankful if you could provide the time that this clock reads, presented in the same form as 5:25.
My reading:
6:48
